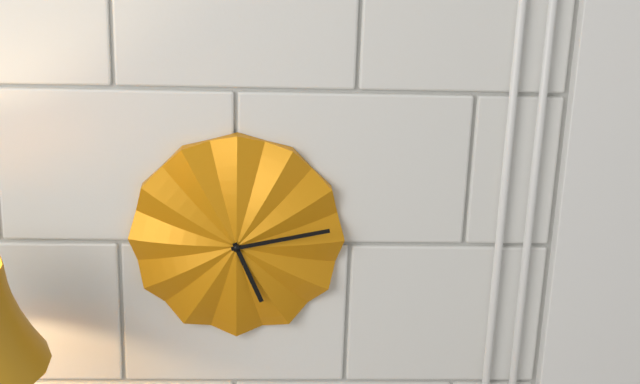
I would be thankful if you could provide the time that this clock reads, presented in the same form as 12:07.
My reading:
5:13
